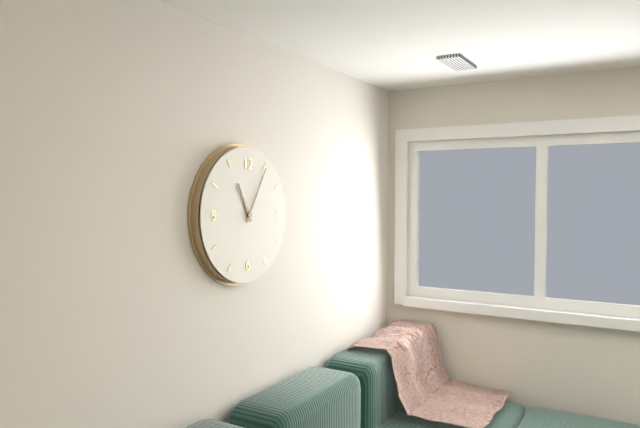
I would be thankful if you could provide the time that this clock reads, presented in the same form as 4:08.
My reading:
11:05
